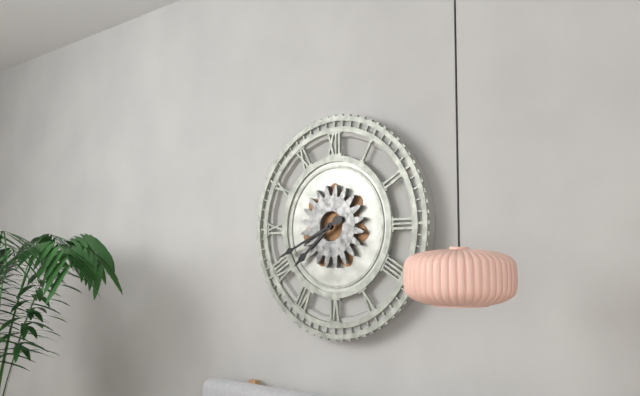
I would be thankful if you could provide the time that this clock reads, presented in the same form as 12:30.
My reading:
7:41
